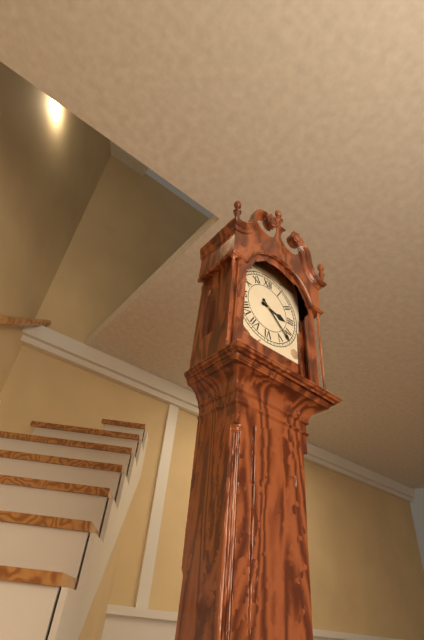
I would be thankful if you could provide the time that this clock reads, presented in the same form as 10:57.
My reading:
3:22
